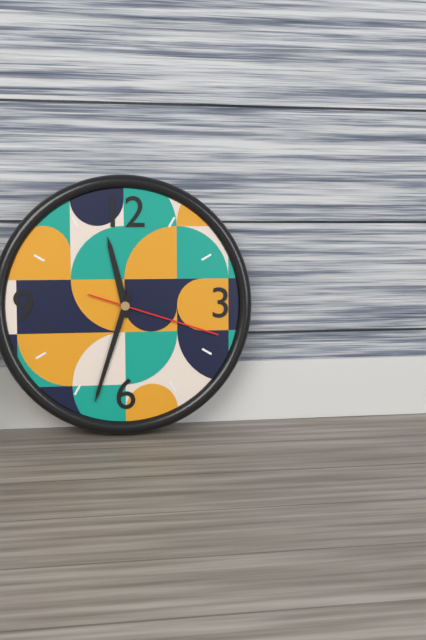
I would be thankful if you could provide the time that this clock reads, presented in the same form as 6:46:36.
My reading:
11:33:18
